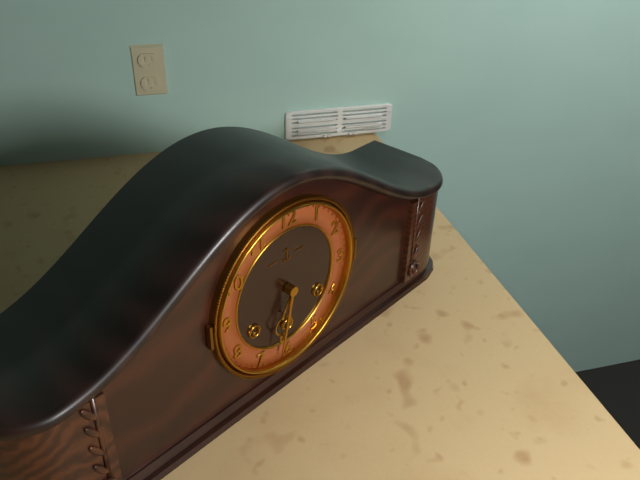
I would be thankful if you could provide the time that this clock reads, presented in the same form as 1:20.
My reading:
6:32
